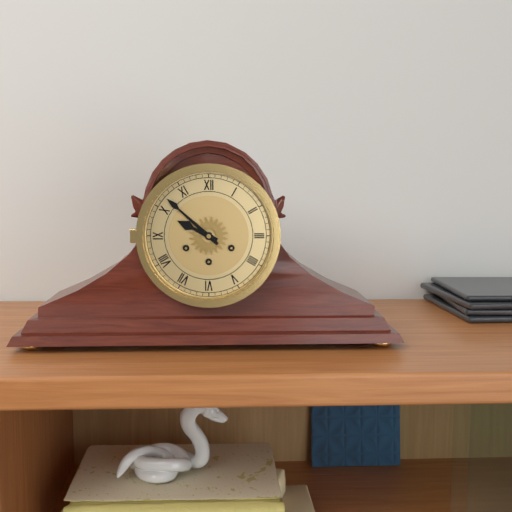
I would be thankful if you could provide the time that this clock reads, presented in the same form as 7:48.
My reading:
9:52
